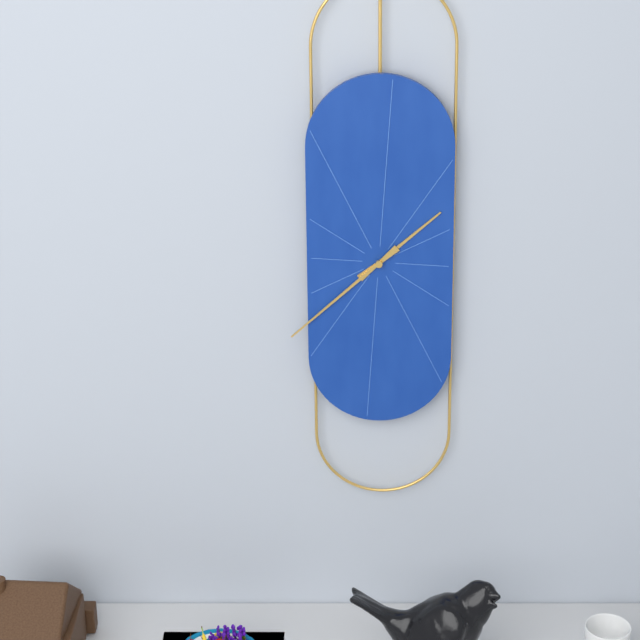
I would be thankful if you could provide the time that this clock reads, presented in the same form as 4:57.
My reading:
1:38
